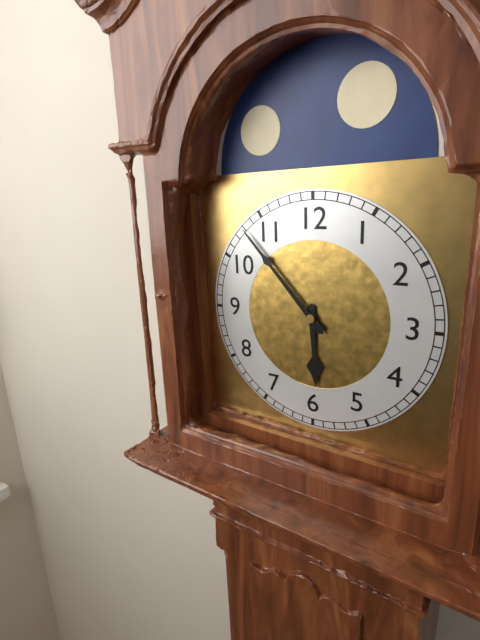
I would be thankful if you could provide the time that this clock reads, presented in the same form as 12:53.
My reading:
5:53
